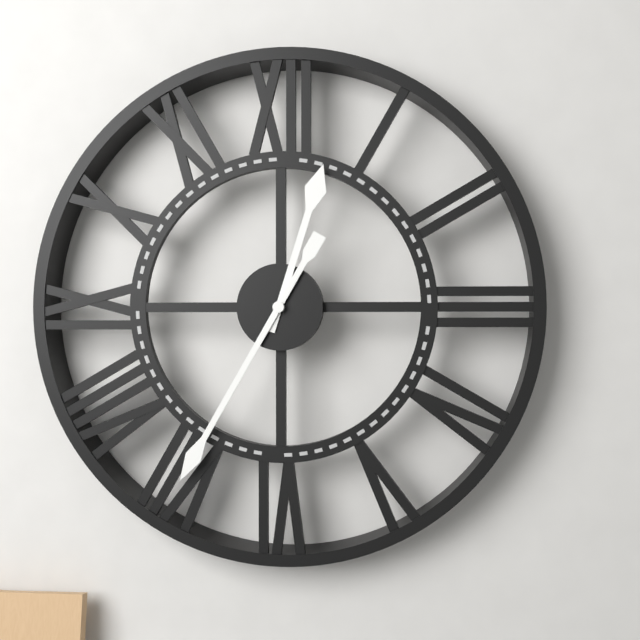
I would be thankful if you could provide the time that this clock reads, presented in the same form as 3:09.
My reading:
12:35
